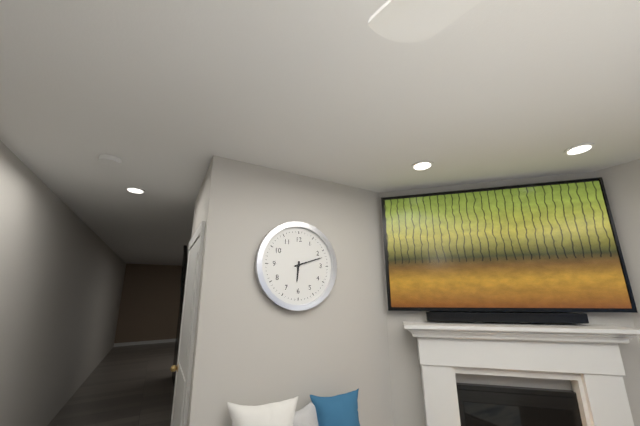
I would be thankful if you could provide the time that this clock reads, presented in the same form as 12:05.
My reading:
6:12
